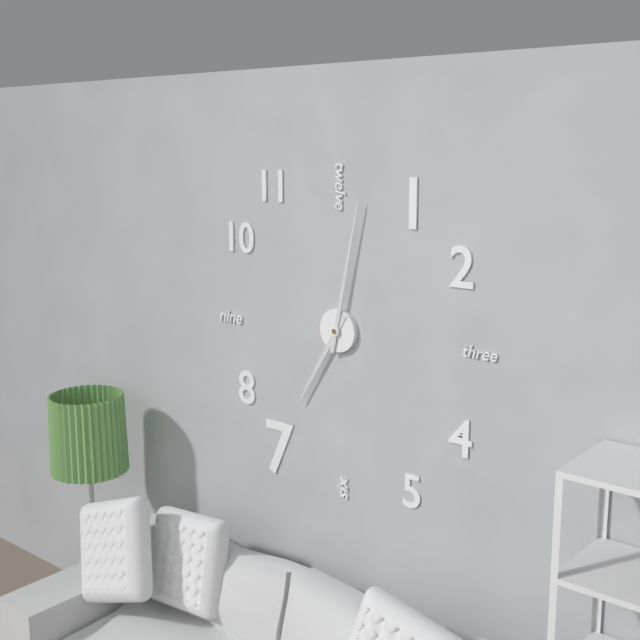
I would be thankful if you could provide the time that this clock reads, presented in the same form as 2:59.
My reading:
7:02
